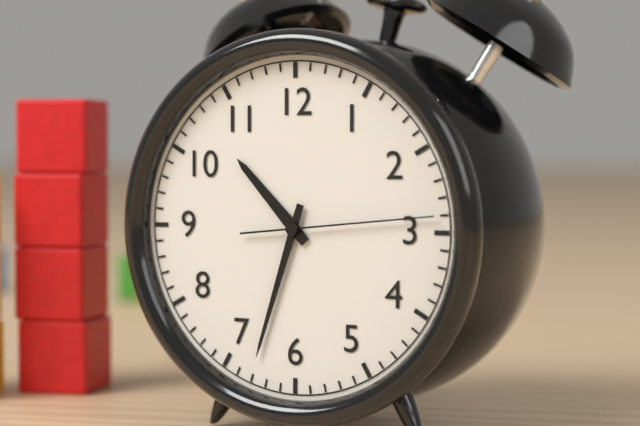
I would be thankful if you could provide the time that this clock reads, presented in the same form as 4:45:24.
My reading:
10:33:14
